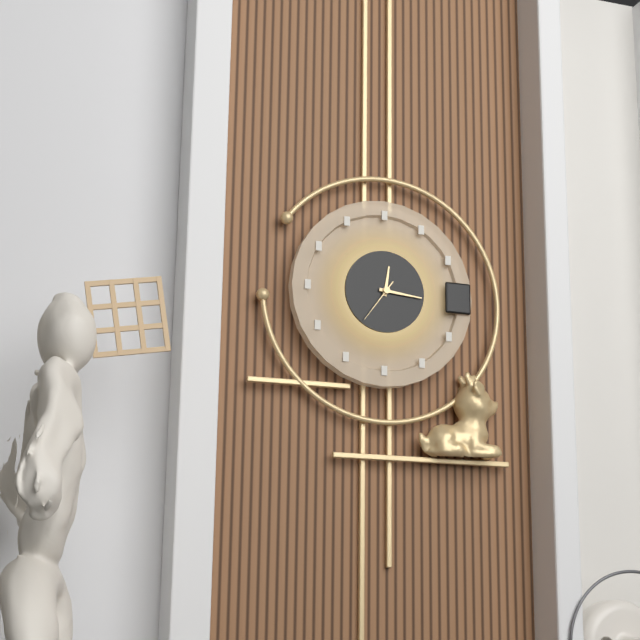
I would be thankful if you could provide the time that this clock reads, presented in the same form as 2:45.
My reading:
12:16
